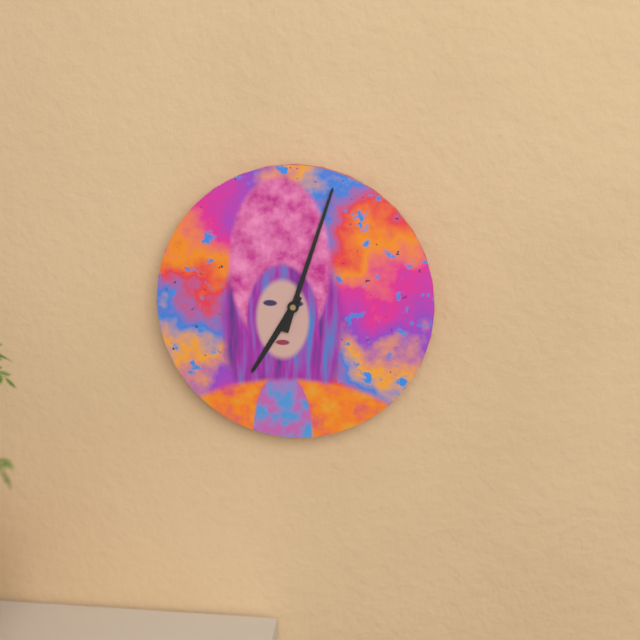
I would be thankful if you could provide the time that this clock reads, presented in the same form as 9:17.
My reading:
7:03
